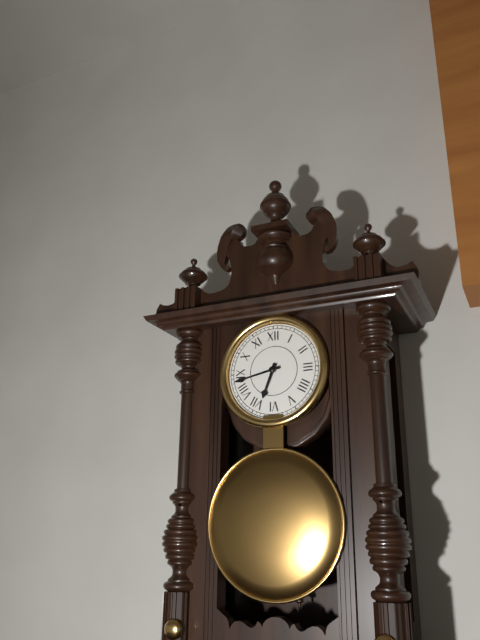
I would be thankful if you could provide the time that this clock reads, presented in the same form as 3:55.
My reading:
6:43
